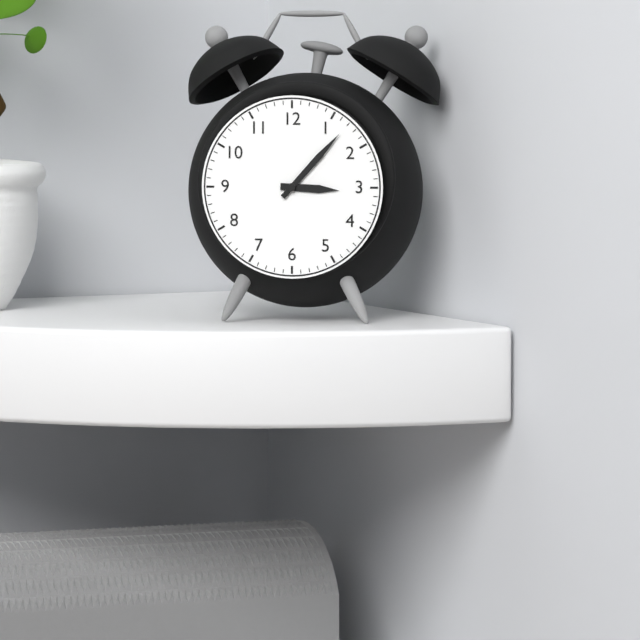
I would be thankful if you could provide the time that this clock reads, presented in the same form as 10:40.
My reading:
3:07
